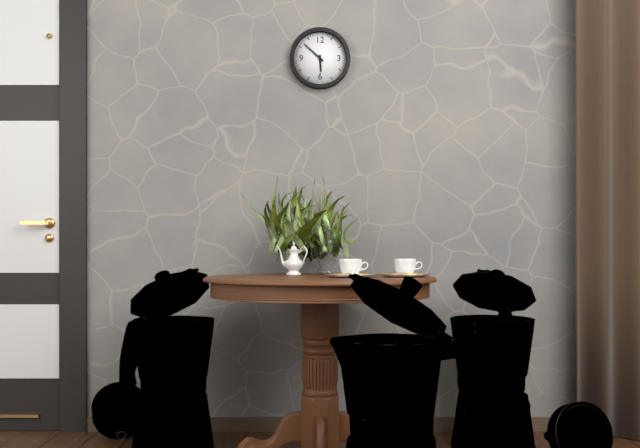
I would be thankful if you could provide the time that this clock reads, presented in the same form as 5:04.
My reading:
5:52
